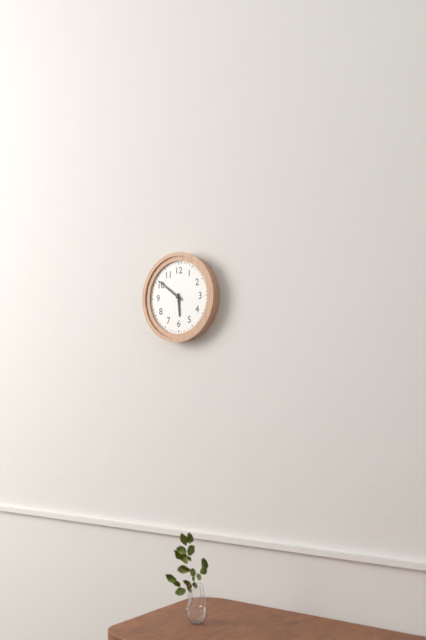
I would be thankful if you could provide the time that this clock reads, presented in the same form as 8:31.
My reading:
5:51
